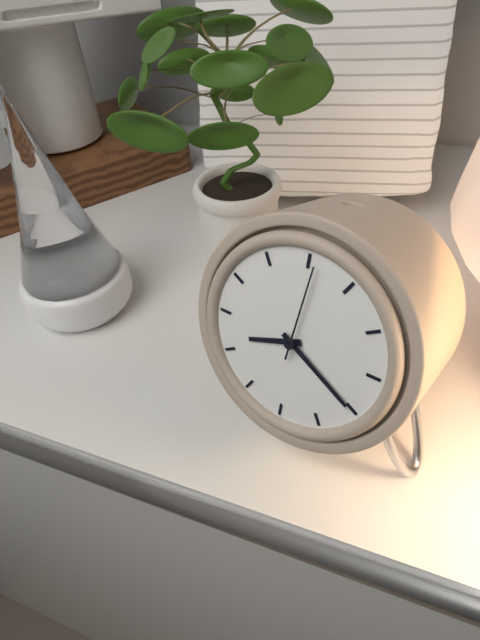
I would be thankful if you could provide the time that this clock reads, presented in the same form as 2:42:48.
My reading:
8:20:01
